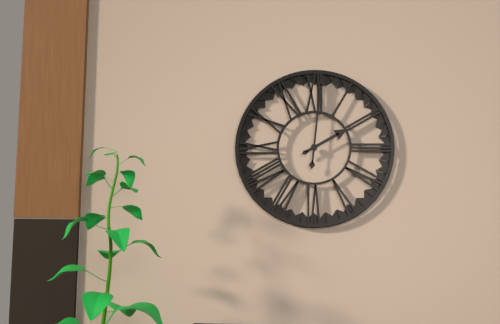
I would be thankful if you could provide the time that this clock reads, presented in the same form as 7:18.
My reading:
2:01
